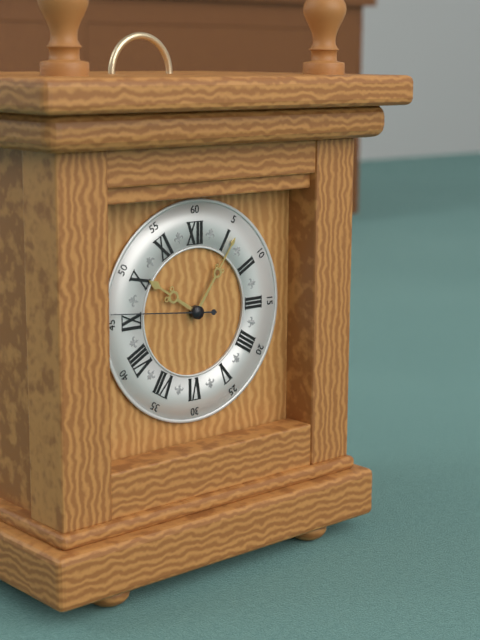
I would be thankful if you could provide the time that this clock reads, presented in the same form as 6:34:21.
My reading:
10:06:46
